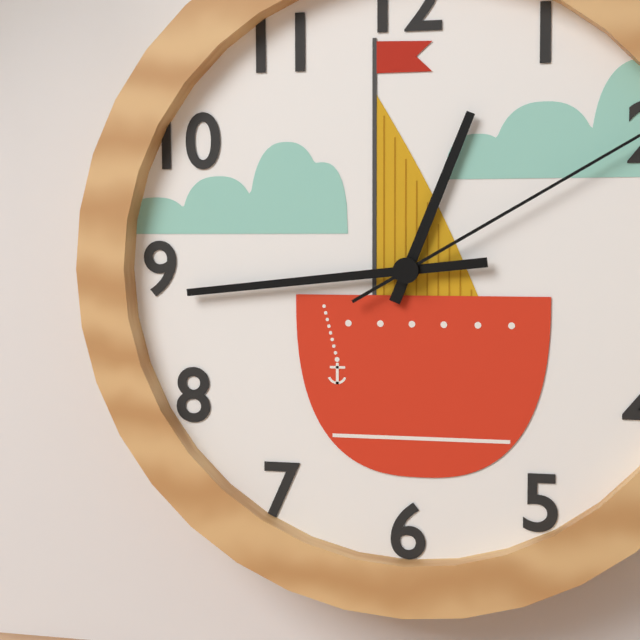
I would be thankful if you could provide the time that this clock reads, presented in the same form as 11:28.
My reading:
12:44
